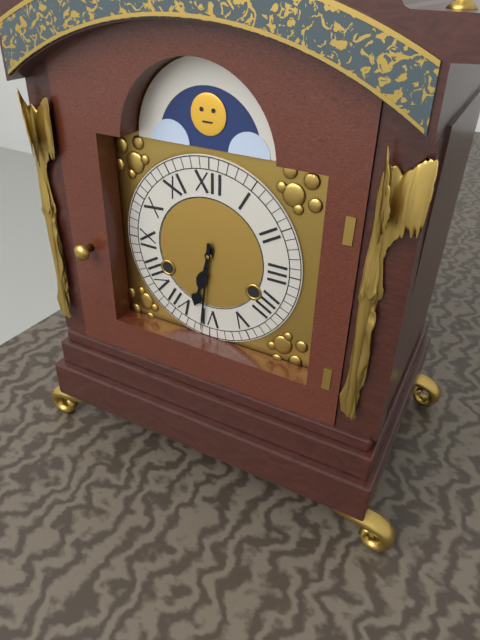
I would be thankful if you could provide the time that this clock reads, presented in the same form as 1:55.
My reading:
6:31
